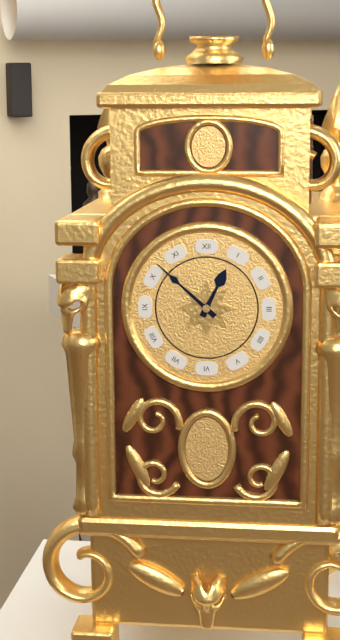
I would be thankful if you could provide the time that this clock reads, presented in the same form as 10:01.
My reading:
12:52
